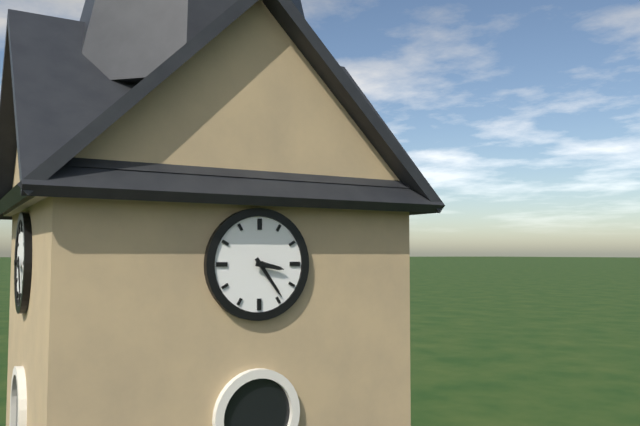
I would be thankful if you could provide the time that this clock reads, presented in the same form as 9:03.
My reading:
3:24
